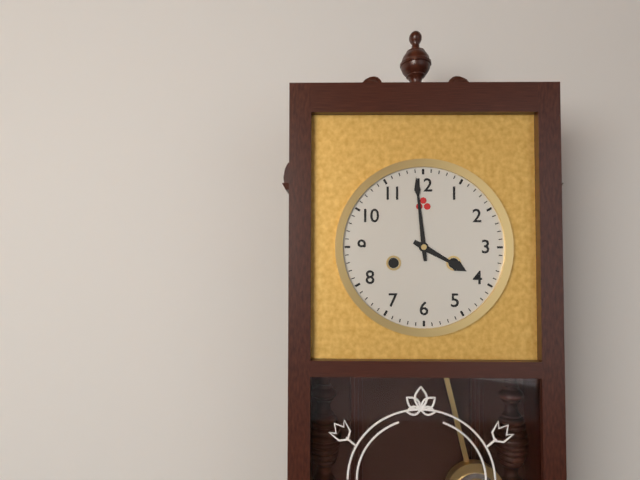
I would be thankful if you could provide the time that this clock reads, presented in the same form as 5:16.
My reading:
3:59
